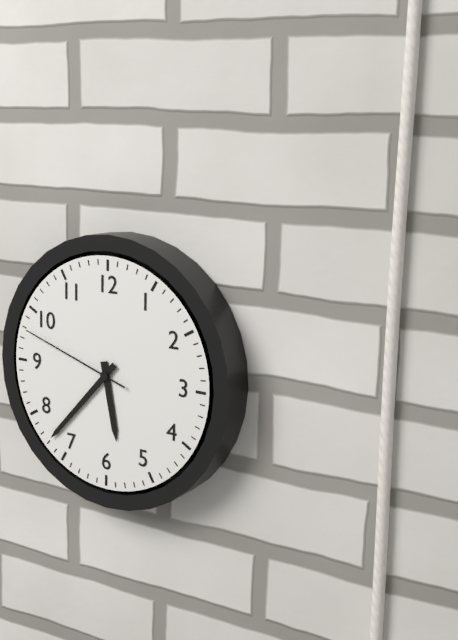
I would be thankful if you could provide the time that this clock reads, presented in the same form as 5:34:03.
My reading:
5:37:48
